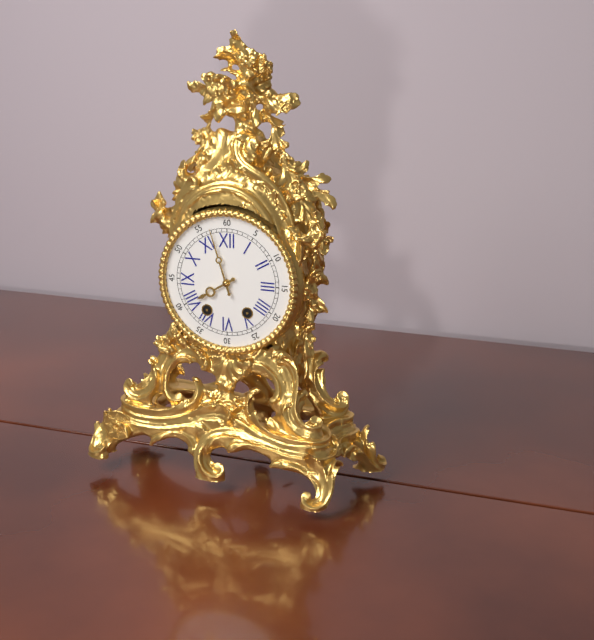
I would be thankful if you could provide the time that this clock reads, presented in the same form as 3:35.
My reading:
7:57
